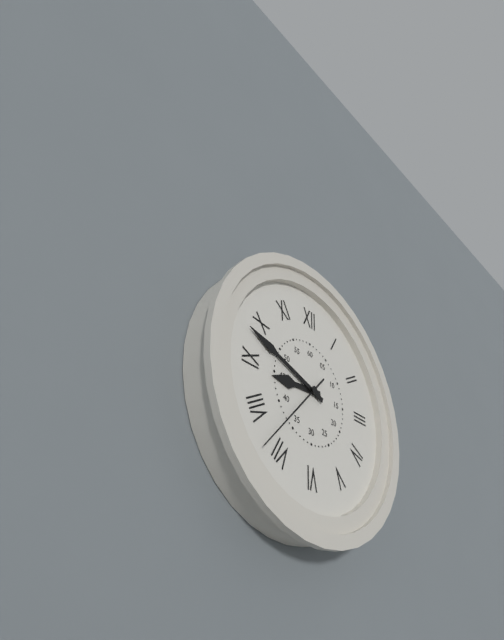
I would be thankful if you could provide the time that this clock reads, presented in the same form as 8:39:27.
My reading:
8:48:37
